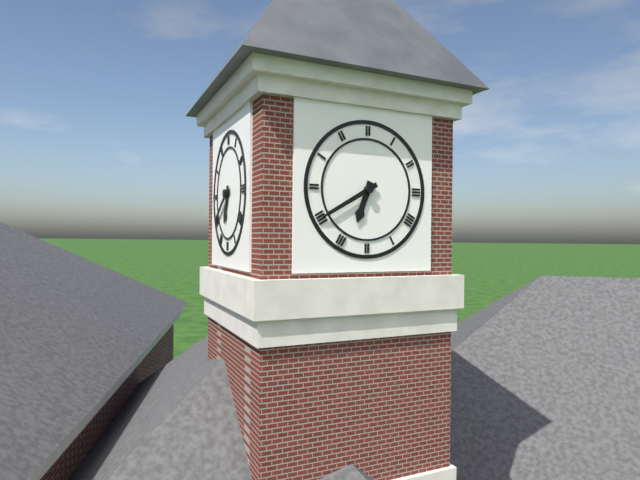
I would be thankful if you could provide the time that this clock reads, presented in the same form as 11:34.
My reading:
6:40
